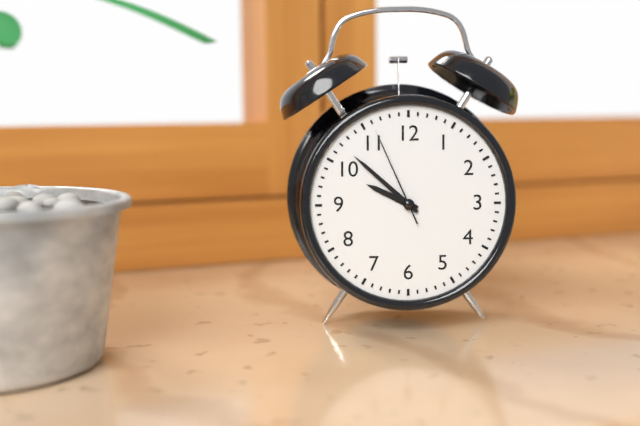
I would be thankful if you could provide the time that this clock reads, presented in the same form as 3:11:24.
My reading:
9:52:56
